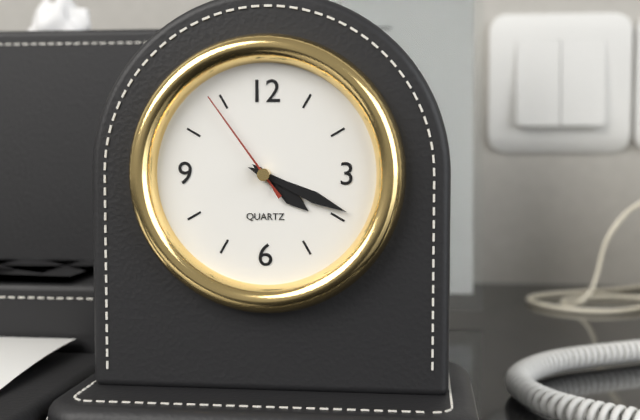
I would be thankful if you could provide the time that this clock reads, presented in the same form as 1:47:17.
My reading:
4:19:54
